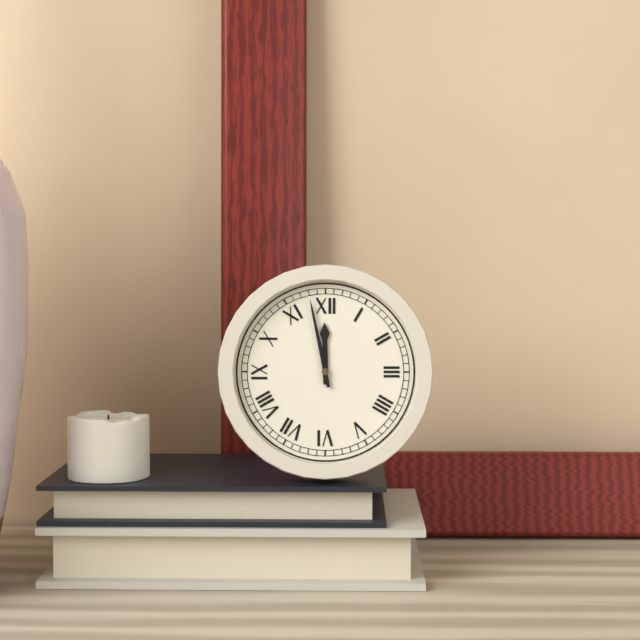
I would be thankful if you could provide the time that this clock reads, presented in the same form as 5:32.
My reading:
11:58
